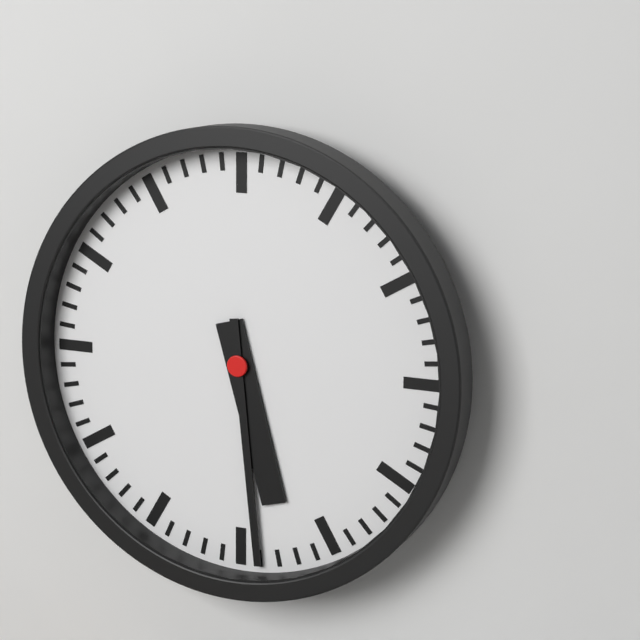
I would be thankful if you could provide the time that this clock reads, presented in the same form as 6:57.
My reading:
5:29
